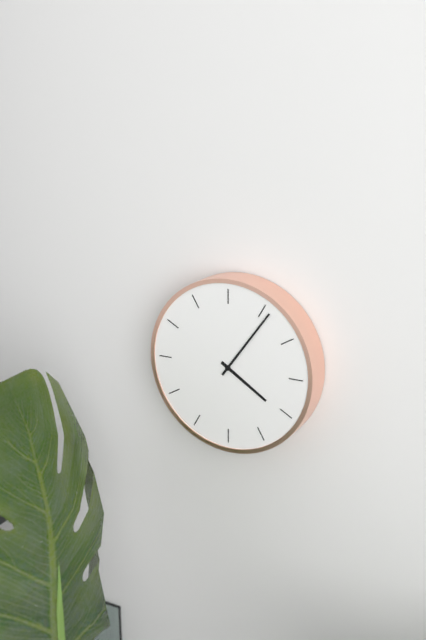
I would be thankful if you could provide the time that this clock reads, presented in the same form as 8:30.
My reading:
4:06
